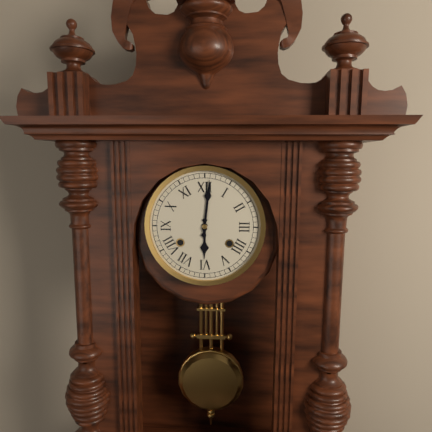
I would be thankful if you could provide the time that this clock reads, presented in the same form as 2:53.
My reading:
6:01
